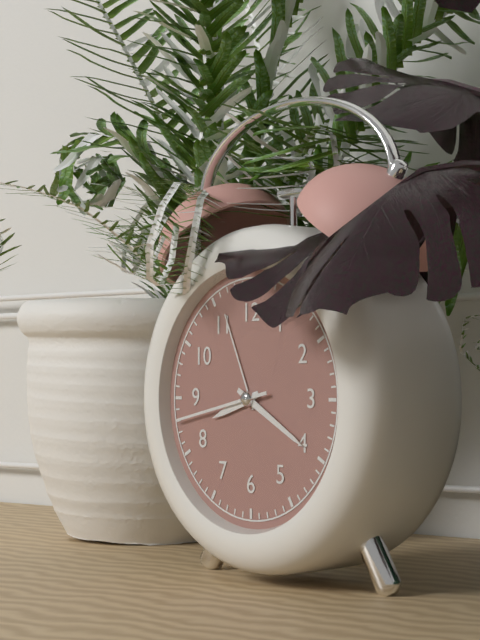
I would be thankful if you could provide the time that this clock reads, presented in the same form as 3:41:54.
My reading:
8:20:43
